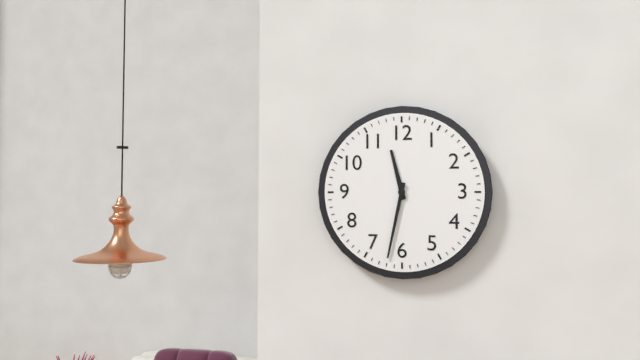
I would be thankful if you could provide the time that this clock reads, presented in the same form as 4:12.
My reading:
11:32
